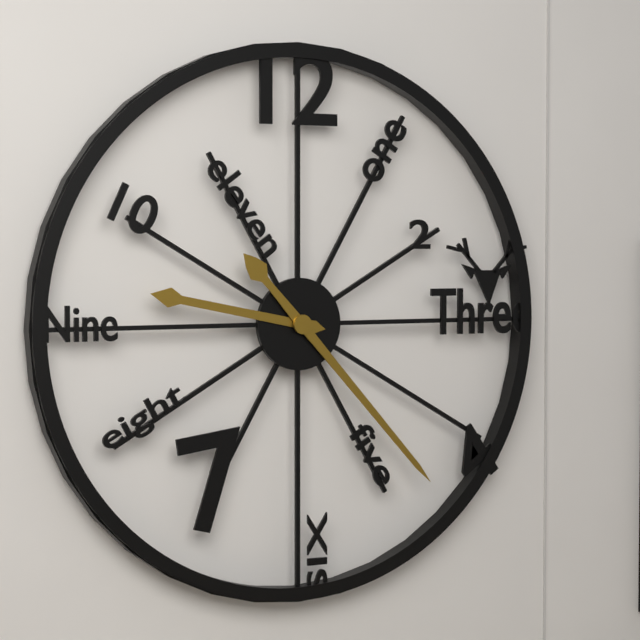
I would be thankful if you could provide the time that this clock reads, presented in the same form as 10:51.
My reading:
9:23
